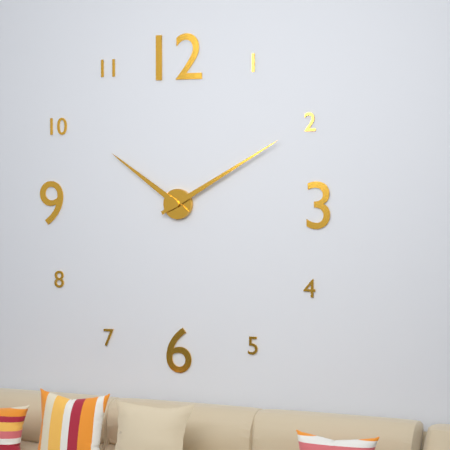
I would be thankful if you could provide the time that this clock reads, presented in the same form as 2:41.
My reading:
10:10
